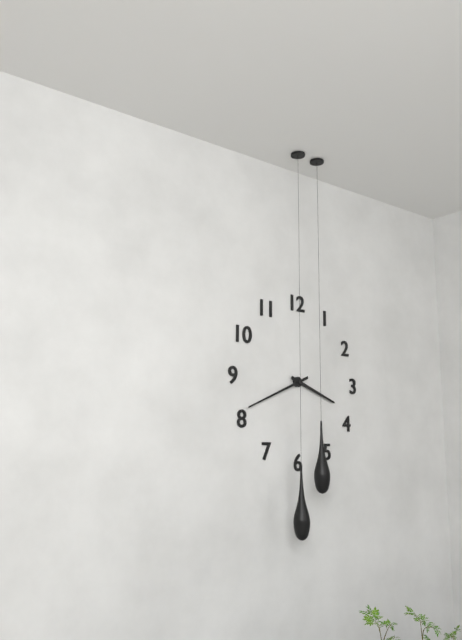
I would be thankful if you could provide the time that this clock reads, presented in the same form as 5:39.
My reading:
3:41
